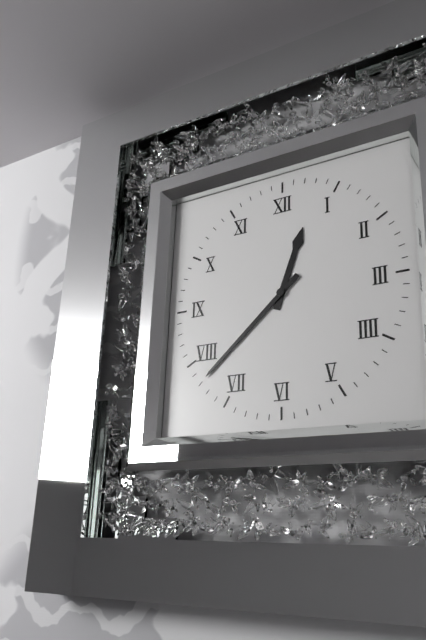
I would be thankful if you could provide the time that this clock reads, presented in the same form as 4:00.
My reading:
12:38
